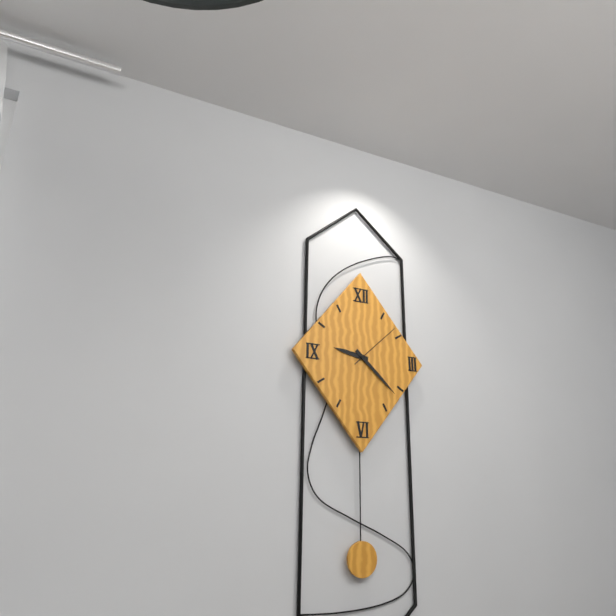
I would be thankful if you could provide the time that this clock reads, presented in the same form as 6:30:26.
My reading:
9:22:08
